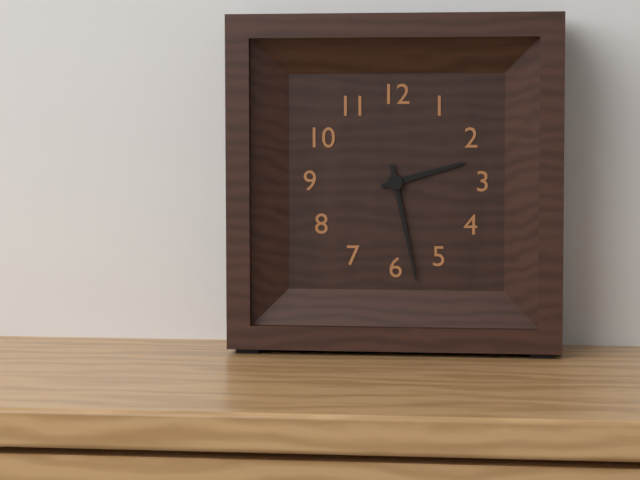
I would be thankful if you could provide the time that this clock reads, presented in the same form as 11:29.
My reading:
2:28
